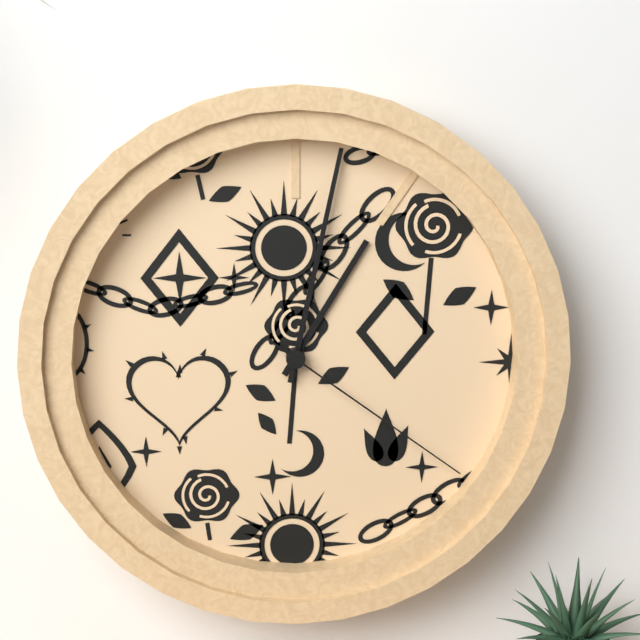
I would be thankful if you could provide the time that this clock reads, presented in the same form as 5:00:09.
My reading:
1:02:21
